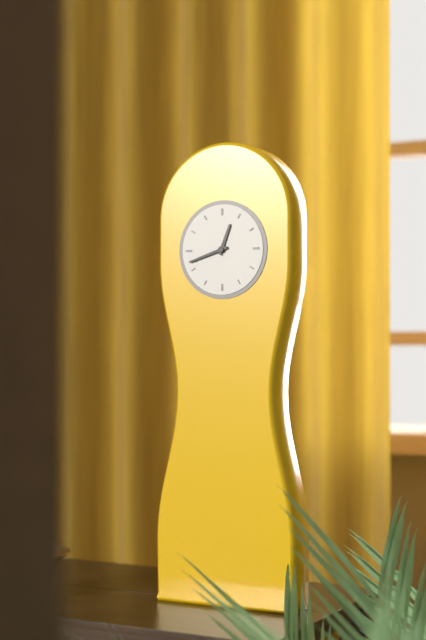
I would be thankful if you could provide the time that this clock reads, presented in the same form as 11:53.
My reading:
12:42
